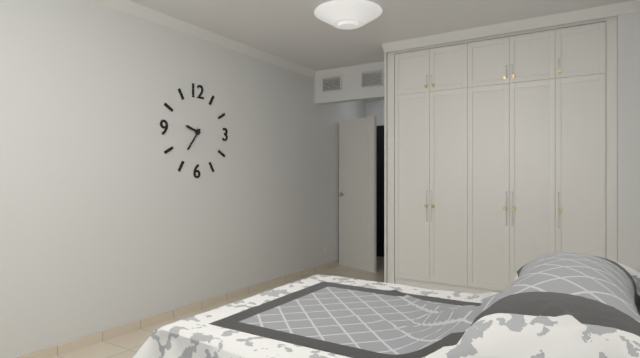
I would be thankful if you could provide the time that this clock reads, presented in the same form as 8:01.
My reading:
9:36
